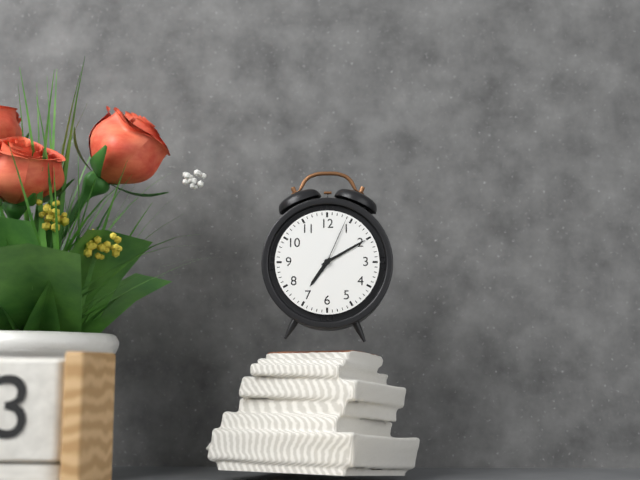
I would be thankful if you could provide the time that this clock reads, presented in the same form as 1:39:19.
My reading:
7:10:04
